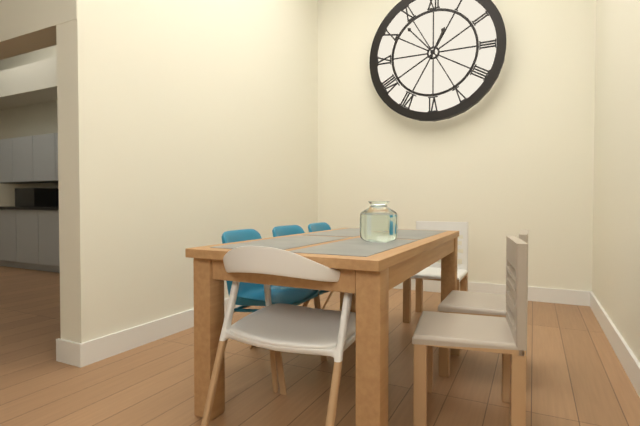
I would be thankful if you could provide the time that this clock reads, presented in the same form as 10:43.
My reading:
12:53
